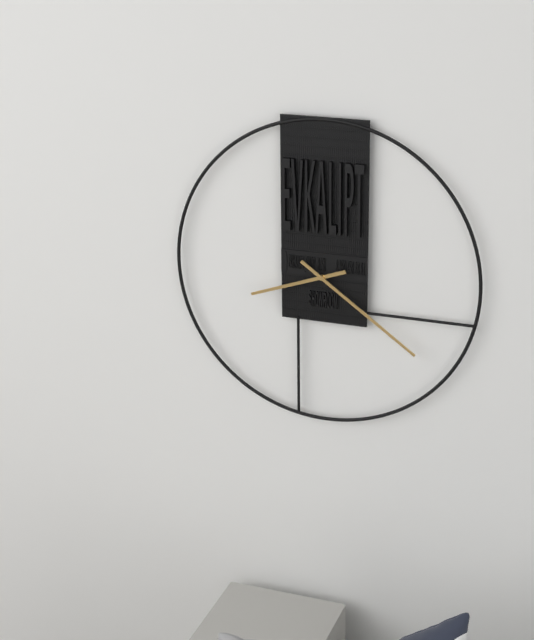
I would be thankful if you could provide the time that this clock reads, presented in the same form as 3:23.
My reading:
8:21
